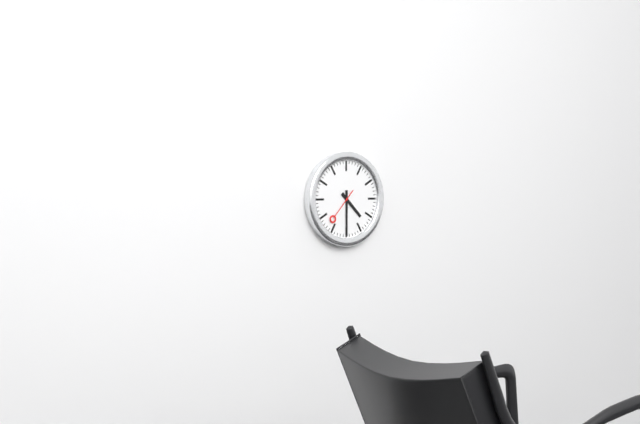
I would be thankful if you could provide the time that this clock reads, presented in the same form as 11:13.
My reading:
4:30
